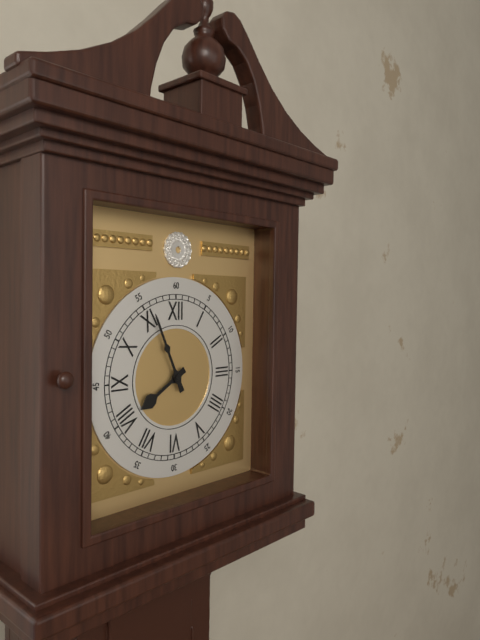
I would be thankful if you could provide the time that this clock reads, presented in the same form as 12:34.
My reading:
7:56
